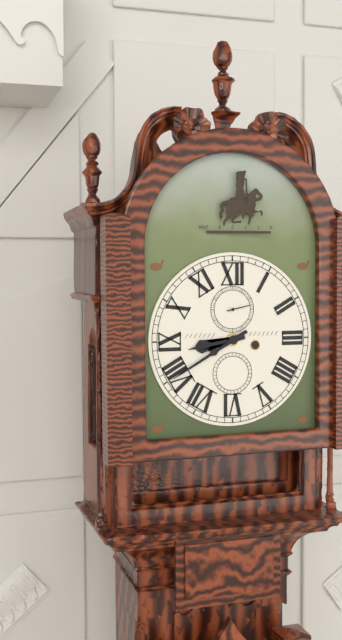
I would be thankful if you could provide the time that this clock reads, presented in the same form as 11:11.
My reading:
8:40
